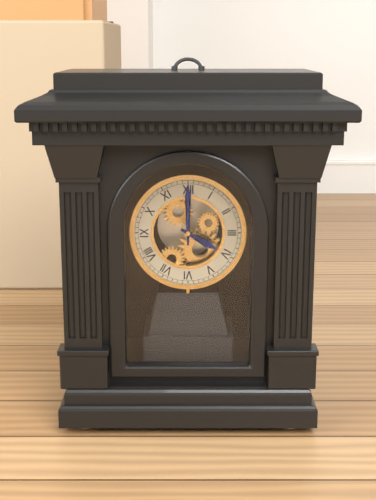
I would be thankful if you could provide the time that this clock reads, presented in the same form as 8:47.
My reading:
4:00
